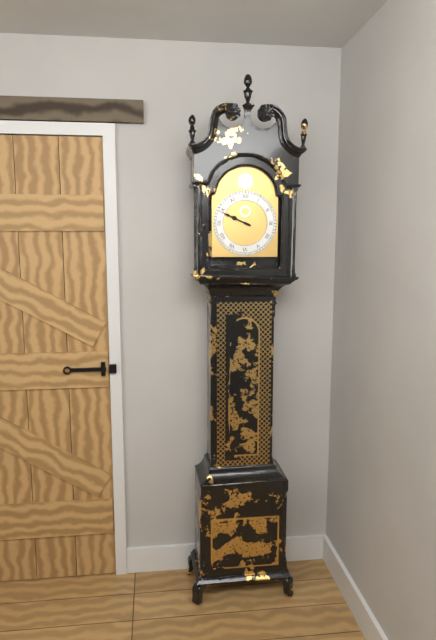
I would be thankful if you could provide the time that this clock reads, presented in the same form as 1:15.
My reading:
9:49
